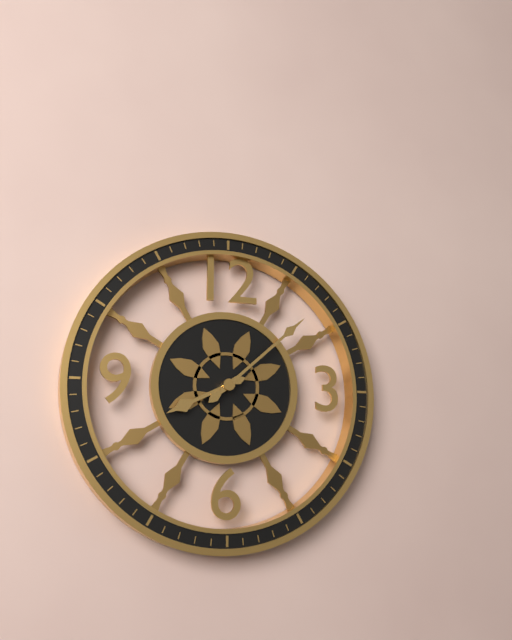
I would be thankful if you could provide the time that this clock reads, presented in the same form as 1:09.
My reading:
8:08
